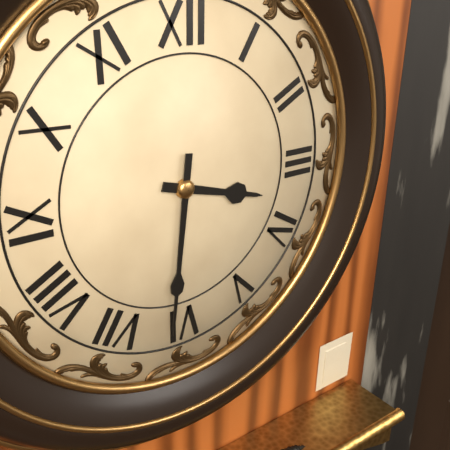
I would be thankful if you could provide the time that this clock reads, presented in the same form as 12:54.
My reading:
3:31
